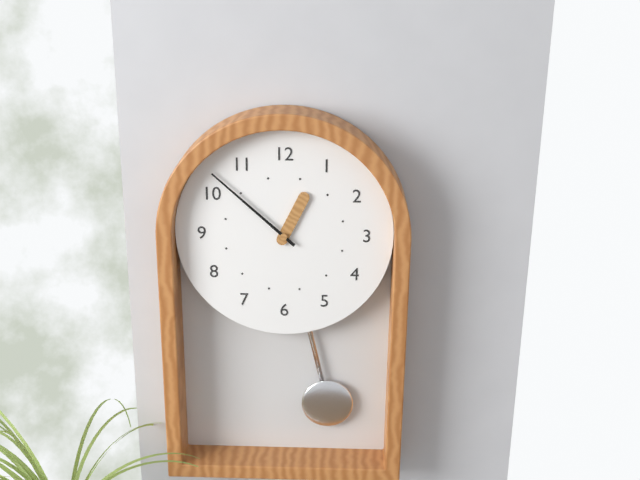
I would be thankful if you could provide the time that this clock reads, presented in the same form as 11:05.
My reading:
12:52
